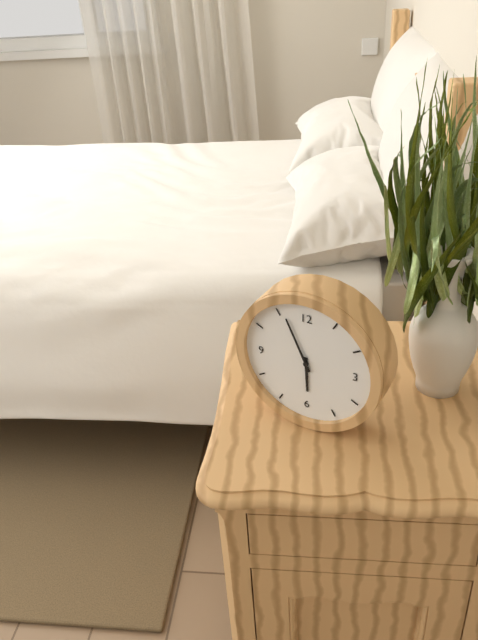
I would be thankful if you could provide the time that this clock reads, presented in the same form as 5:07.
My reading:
5:56
